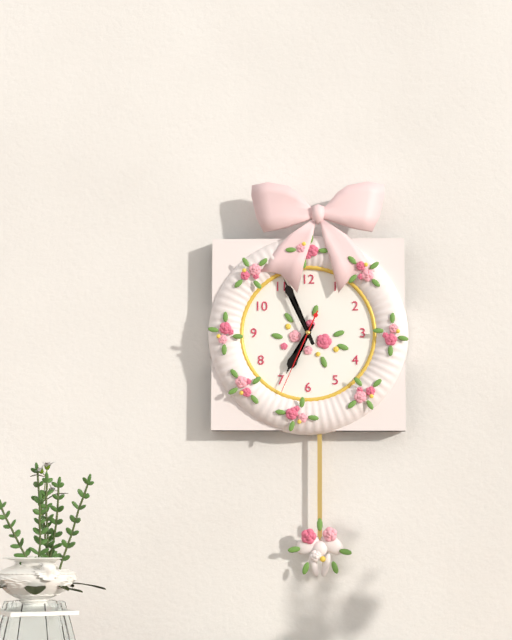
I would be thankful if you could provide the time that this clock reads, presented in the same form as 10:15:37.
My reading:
6:56:34
